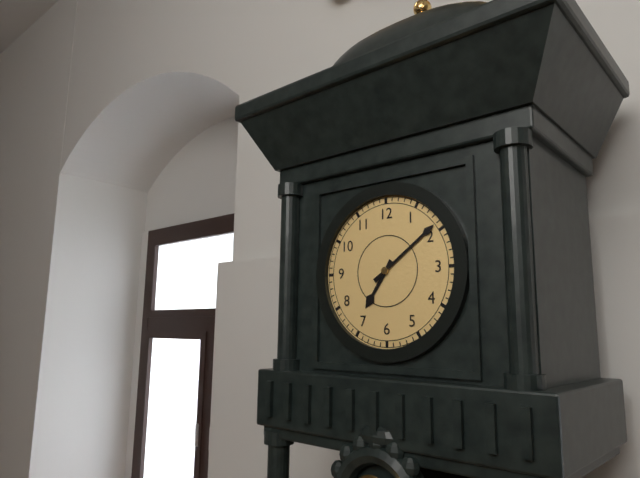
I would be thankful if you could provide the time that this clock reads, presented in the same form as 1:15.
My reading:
7:09
